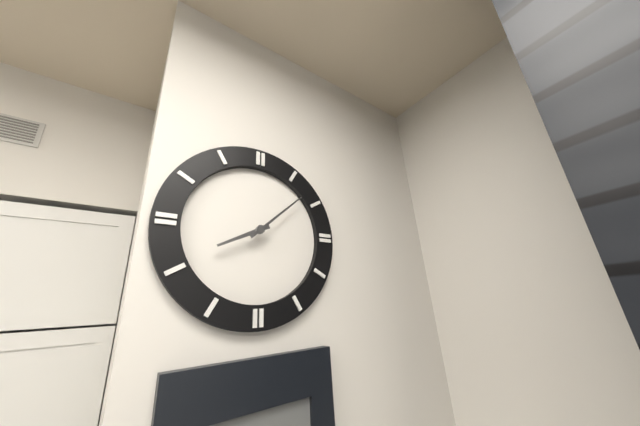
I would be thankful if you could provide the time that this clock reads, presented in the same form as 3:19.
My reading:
8:08
